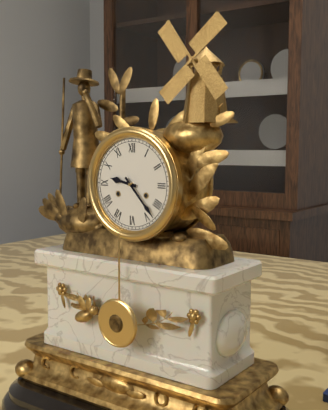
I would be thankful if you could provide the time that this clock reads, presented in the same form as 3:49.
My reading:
9:23
